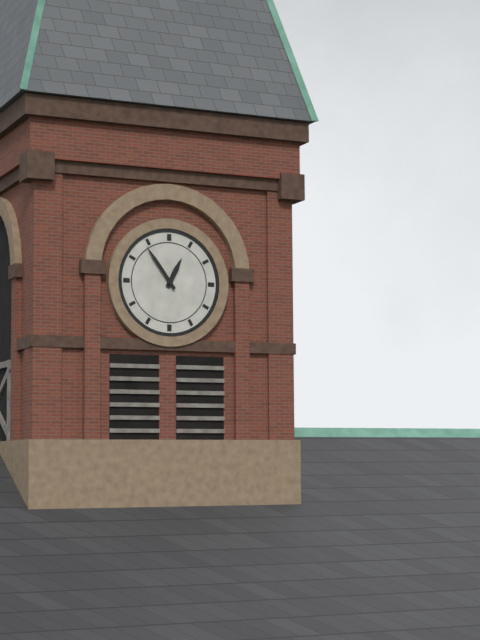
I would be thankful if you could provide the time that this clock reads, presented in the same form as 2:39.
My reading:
12:54
